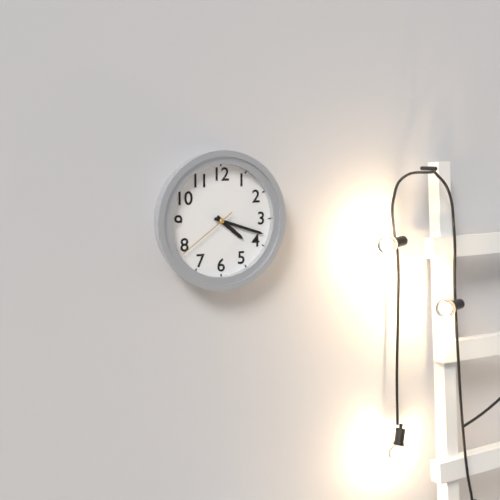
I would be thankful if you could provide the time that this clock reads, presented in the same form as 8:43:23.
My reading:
4:18:39
